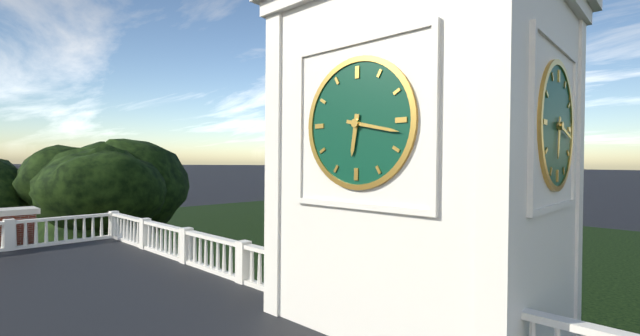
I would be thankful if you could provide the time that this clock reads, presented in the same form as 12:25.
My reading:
6:17
